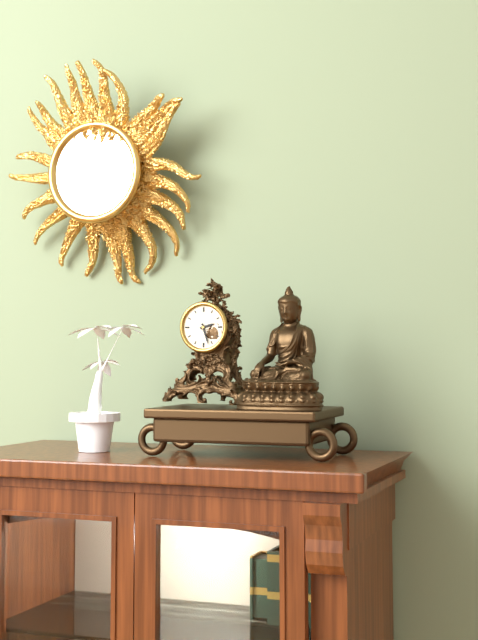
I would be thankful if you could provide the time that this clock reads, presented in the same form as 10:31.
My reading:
2:27
